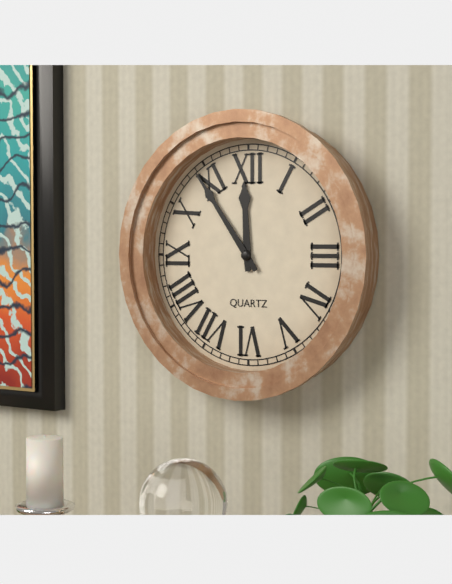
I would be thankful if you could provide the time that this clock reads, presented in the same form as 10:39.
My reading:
11:54
